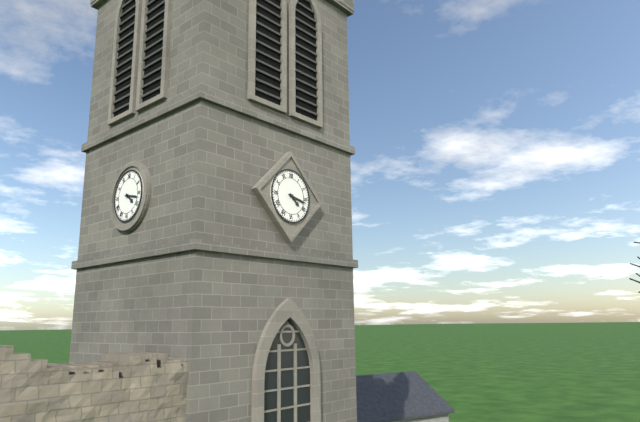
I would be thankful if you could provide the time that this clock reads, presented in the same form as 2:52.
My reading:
4:17
